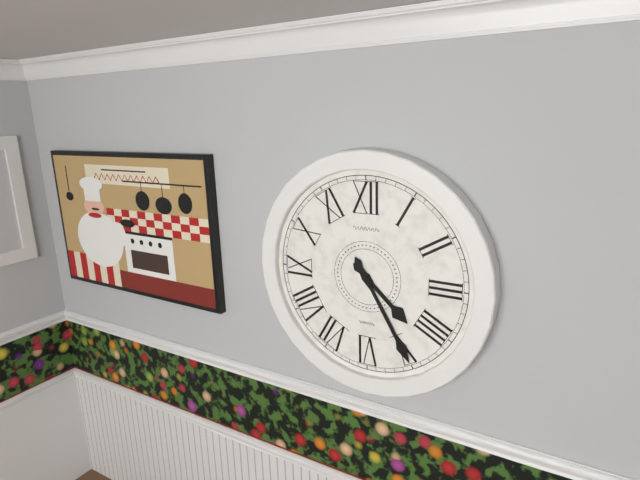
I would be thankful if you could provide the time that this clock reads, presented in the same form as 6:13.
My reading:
4:25
